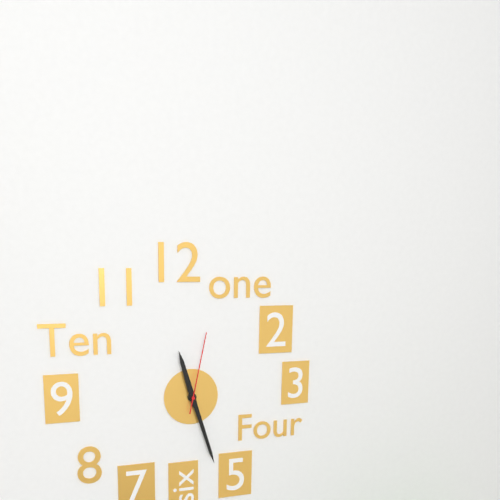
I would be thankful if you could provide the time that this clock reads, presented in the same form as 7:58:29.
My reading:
11:27:02
